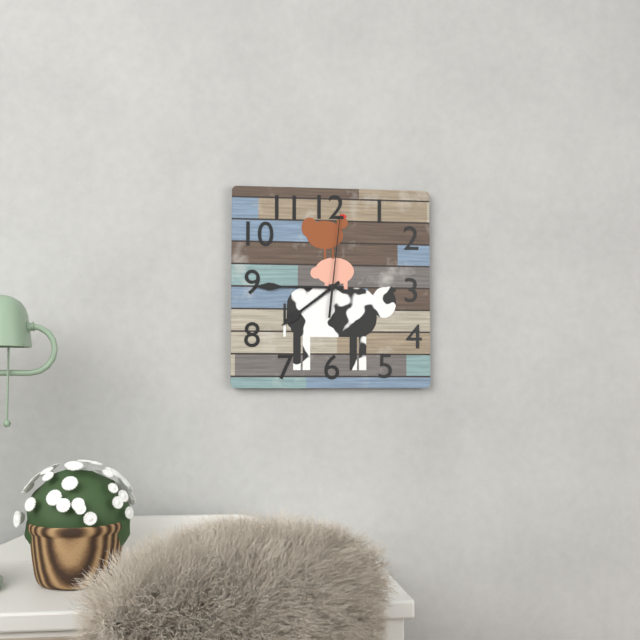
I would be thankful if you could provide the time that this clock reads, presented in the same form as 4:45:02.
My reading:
7:45:01
